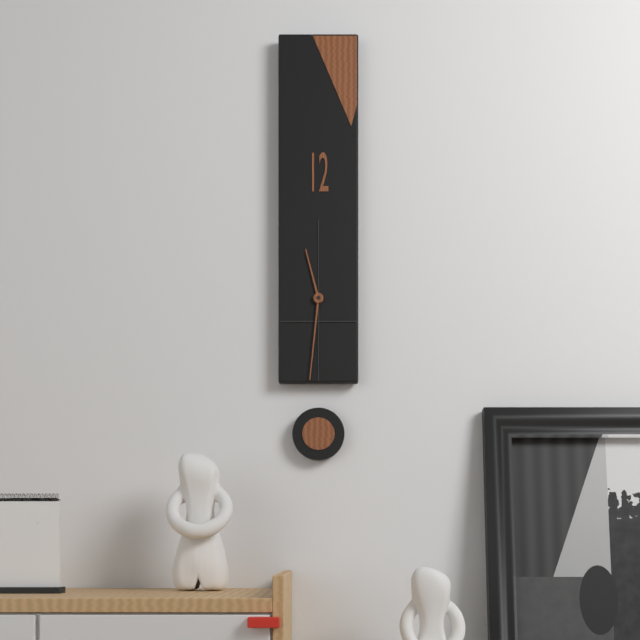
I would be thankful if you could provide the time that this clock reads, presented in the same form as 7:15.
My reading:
11:31
